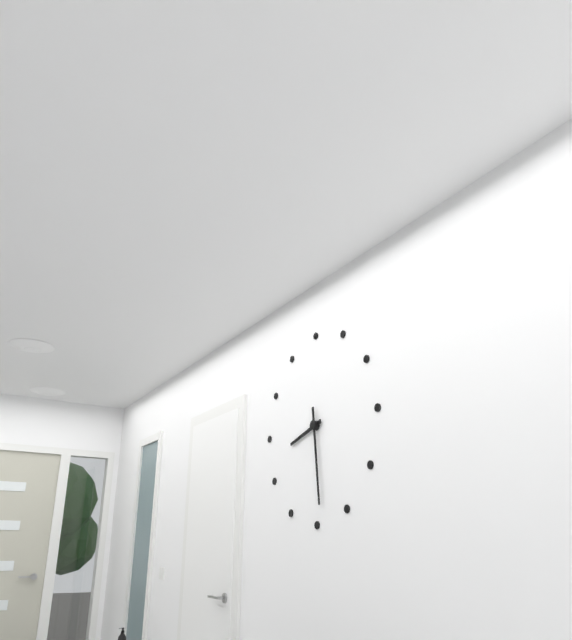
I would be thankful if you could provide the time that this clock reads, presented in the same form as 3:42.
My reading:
8:29
